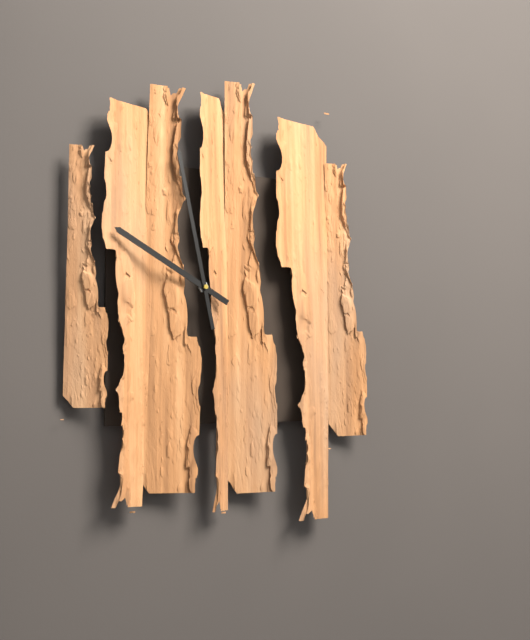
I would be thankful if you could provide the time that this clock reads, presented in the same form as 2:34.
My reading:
9:58
